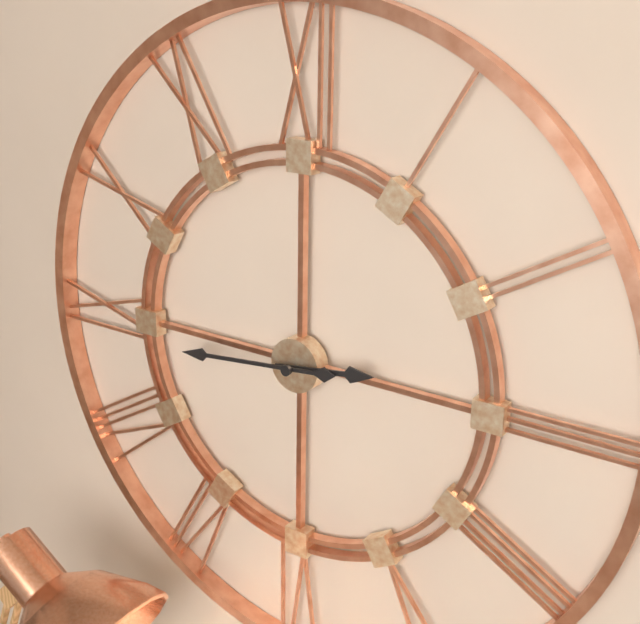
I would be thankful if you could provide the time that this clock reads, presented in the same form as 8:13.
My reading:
2:44
